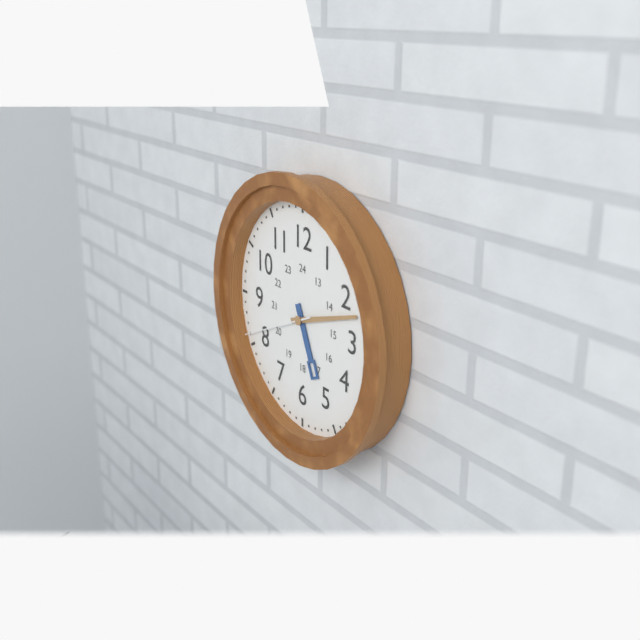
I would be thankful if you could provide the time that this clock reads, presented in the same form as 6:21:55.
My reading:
5:12:41
